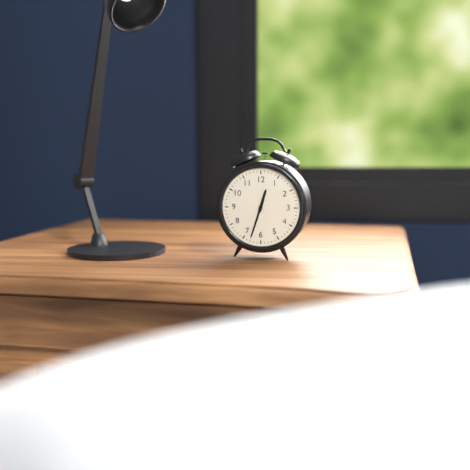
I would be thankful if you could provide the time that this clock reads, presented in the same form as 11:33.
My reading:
12:33
